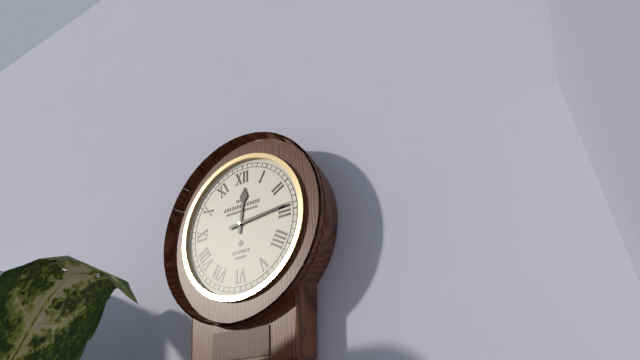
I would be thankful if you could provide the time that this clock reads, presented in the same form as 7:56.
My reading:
12:14
